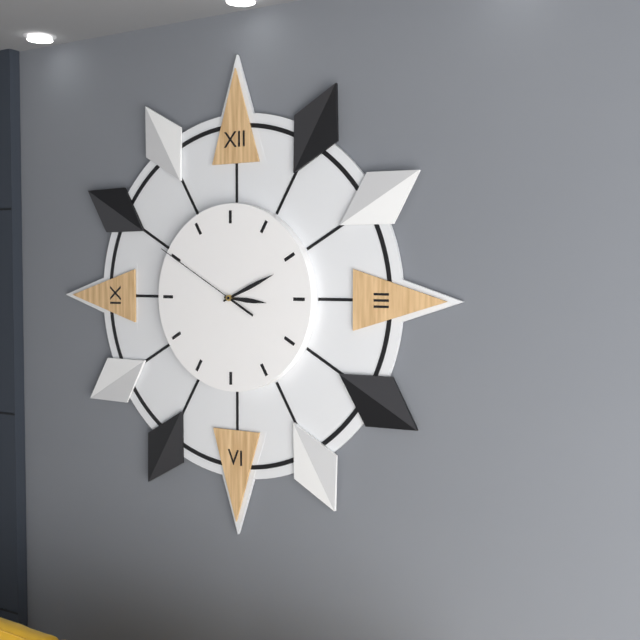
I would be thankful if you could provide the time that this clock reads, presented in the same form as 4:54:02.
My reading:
3:11:50
